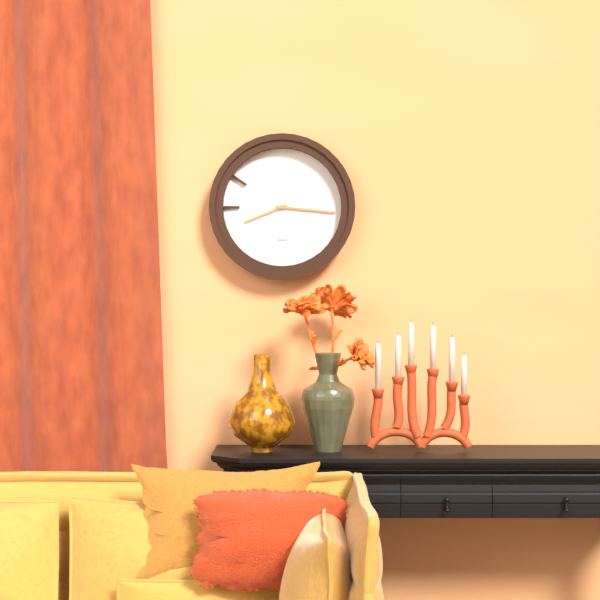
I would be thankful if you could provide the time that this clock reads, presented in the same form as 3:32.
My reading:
8:16
